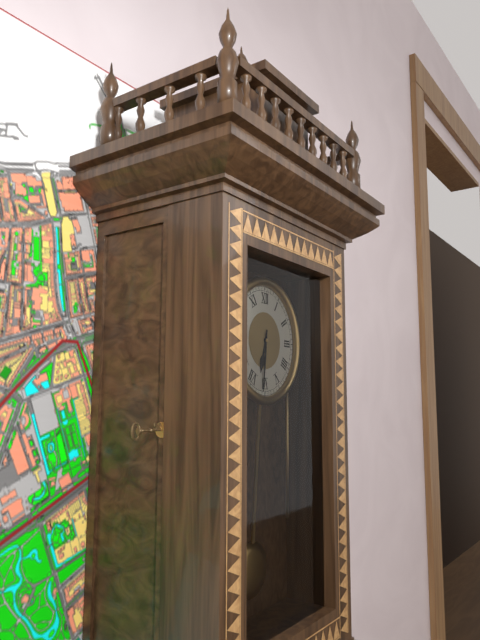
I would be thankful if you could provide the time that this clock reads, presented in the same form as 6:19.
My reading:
6:31
